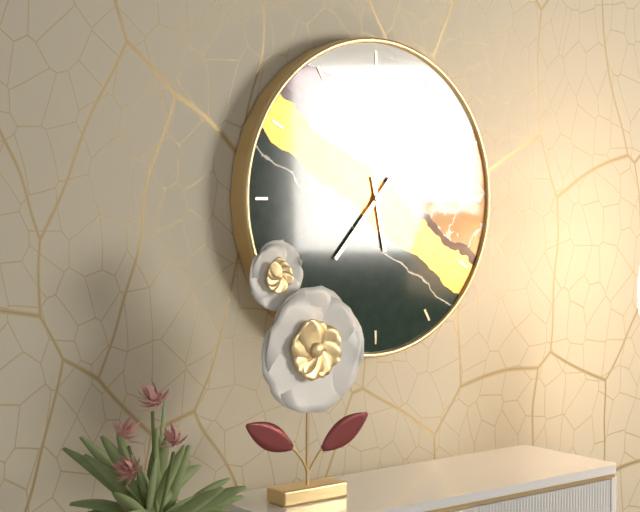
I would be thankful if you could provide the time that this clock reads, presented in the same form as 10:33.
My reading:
5:37
